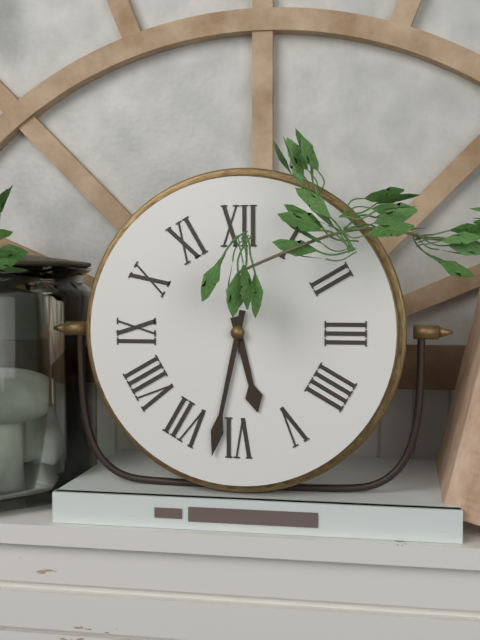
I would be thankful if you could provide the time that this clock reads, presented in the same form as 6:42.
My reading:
5:32
